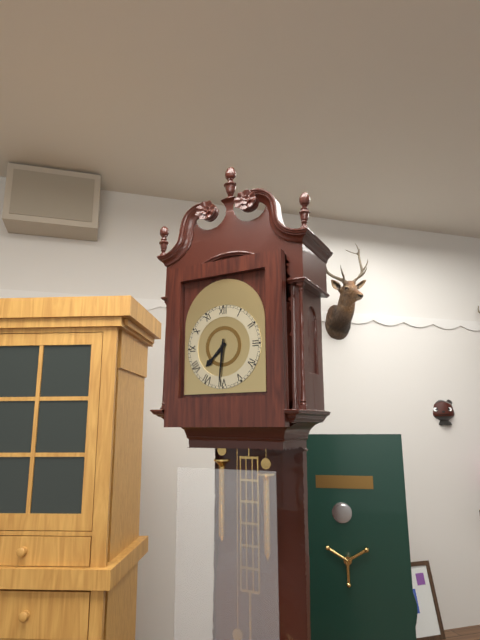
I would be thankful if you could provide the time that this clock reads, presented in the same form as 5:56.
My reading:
7:31
